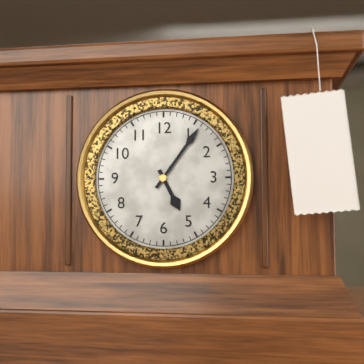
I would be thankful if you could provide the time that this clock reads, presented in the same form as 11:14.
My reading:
5:06
